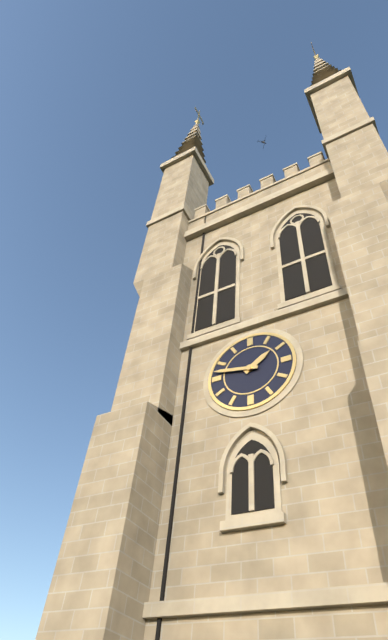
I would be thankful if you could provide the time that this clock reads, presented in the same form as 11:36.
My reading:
1:47
